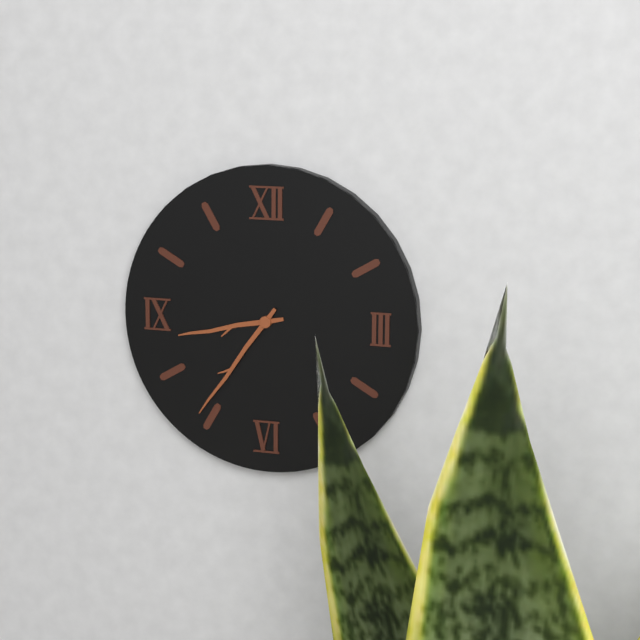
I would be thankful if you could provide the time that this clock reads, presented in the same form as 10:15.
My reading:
8:36
